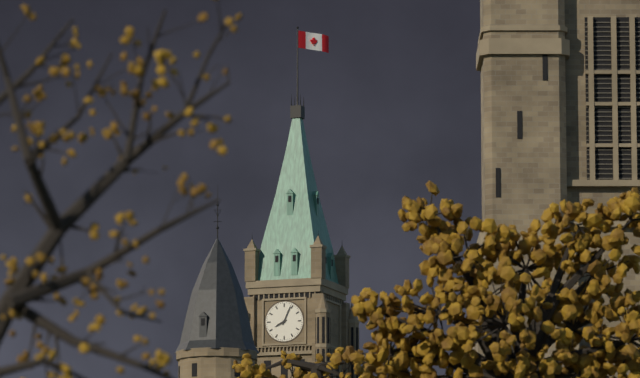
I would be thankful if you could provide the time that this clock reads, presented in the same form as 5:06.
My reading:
8:04
